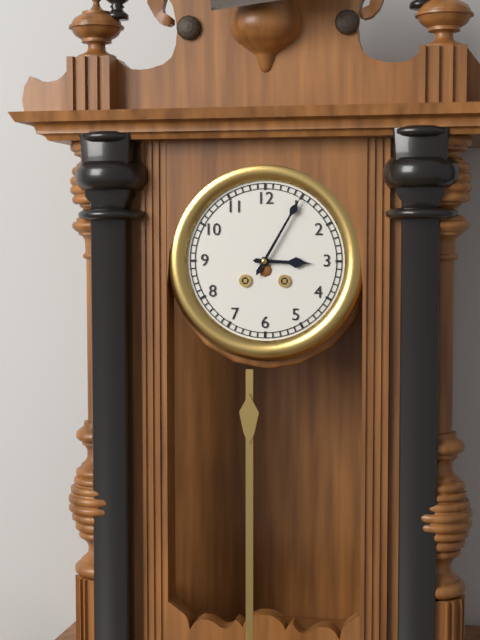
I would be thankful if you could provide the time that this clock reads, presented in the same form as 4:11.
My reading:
3:05
